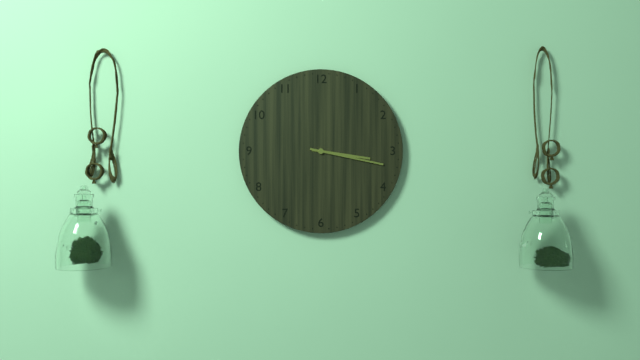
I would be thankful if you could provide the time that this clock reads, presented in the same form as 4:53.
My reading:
3:17
